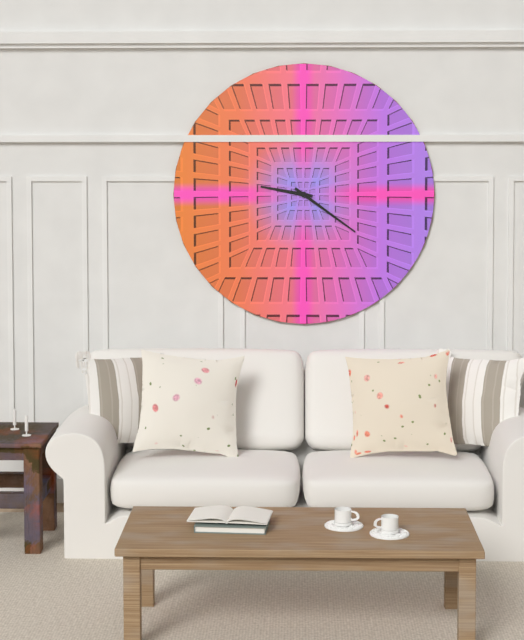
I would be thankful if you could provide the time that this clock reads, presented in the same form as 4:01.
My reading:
9:21
